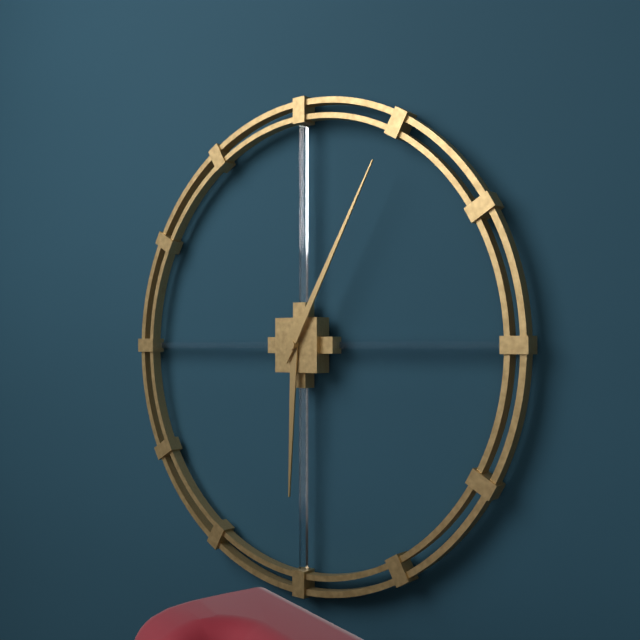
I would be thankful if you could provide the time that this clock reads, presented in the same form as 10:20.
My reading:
6:05
